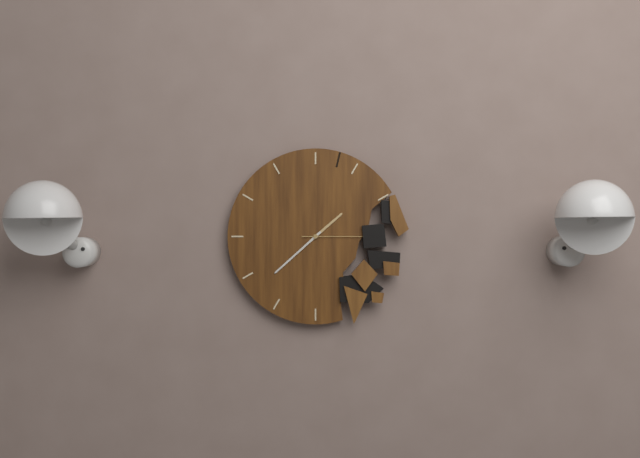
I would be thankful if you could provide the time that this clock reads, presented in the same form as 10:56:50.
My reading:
1:38:15
